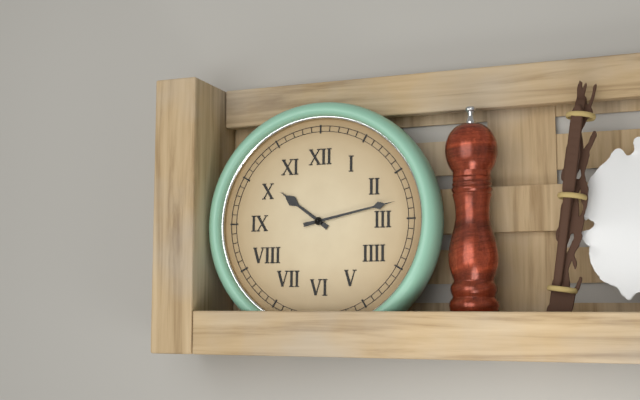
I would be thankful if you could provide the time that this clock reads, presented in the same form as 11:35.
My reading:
10:13
